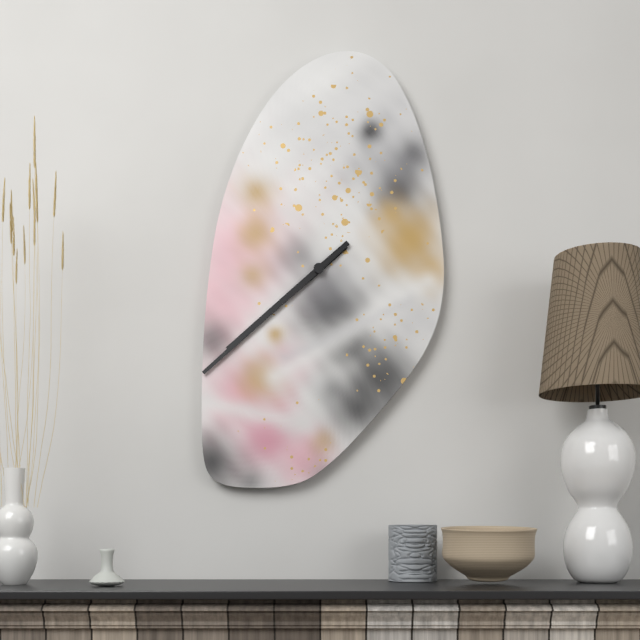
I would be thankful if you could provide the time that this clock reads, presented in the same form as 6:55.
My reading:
7:38
